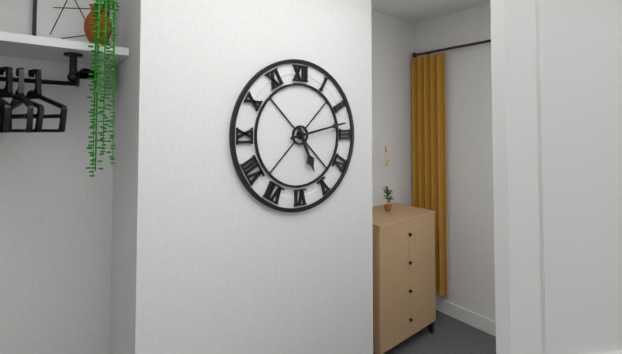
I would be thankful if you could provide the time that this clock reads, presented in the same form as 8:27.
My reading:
5:13
